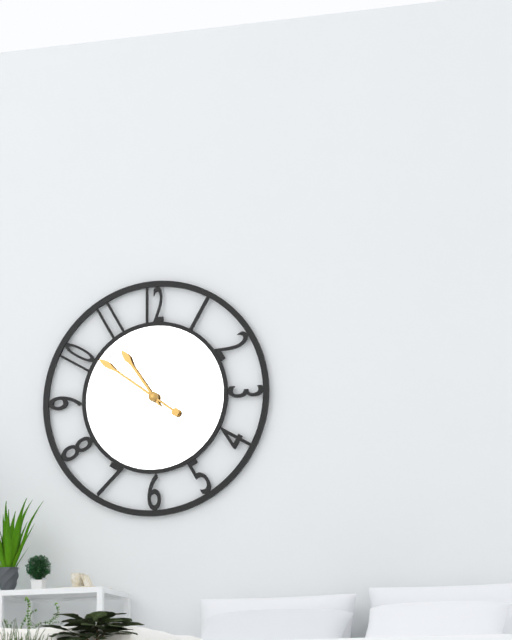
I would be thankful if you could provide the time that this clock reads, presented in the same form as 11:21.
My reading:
10:51
